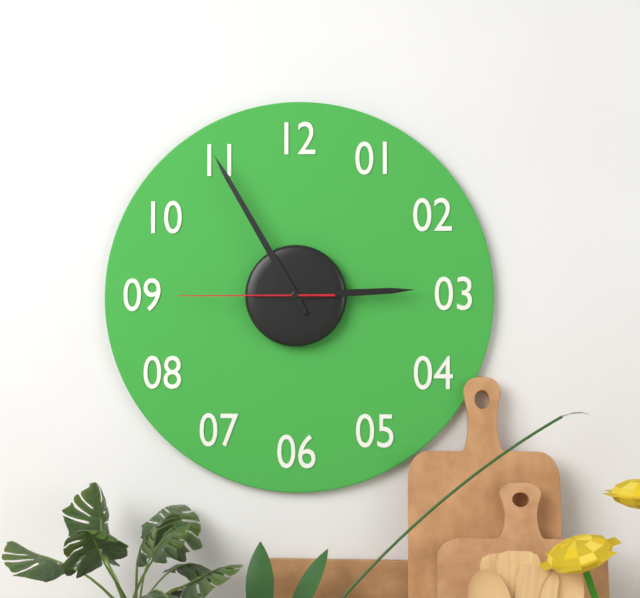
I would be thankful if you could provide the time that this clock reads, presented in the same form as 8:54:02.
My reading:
2:55:45
